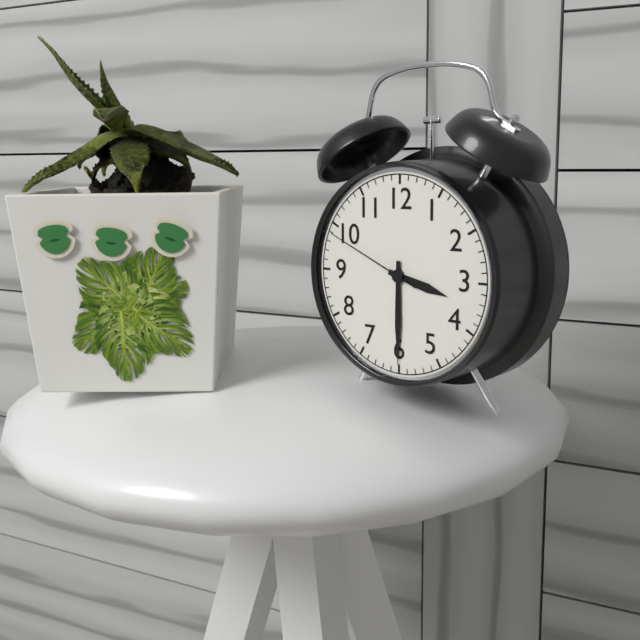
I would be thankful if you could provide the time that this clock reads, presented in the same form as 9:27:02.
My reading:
3:30:49
